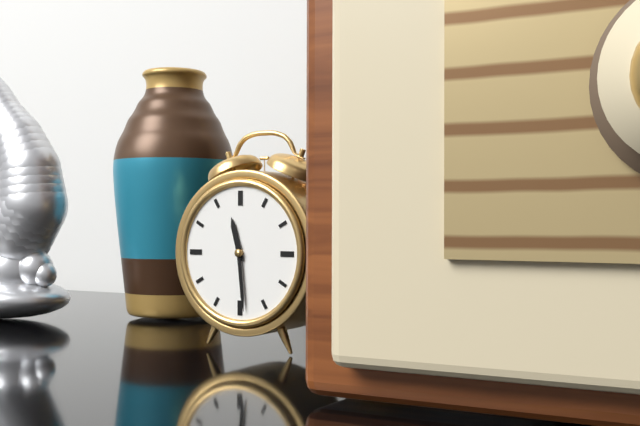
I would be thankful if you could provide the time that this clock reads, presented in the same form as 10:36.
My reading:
11:29
